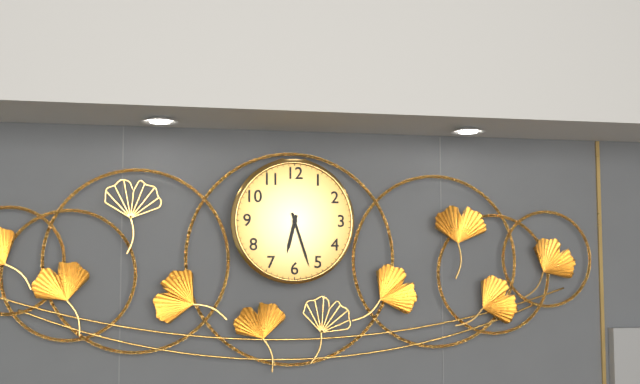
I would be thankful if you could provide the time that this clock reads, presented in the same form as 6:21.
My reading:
6:27
